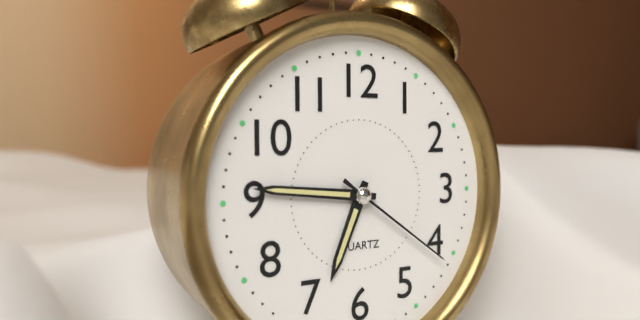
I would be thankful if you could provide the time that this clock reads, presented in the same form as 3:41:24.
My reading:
6:46:21
